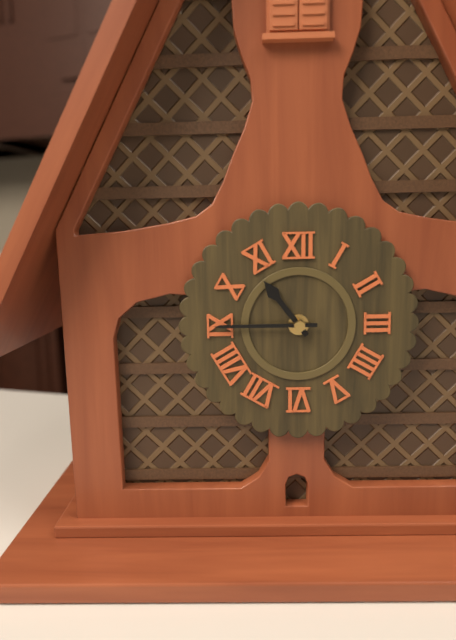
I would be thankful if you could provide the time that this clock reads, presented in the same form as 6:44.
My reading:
10:45
